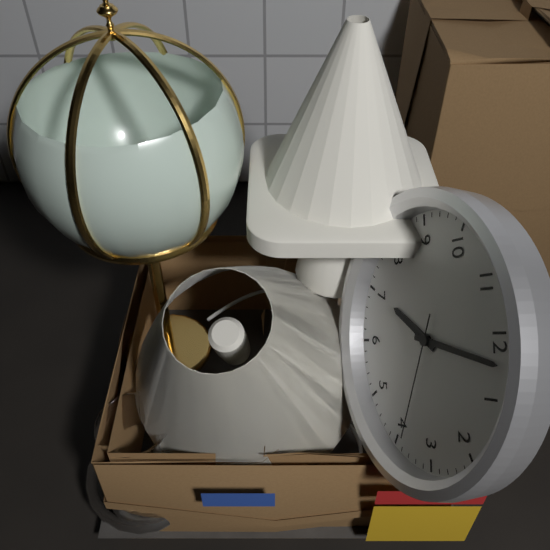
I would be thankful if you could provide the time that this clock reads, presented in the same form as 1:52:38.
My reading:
7:02:19
